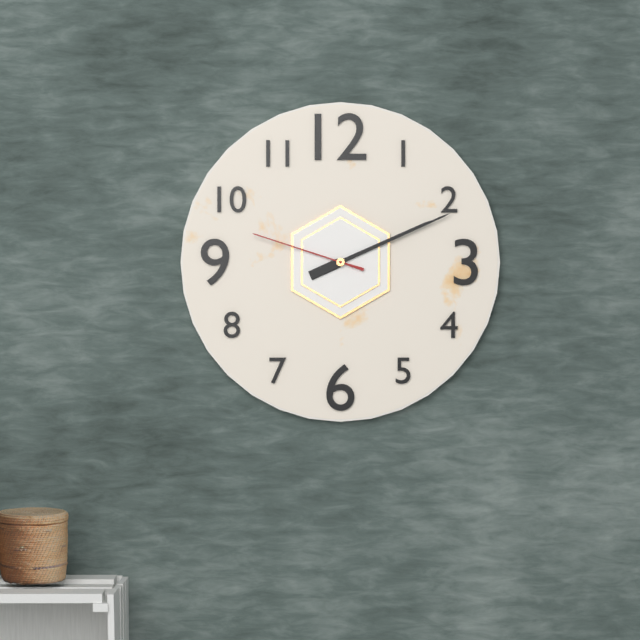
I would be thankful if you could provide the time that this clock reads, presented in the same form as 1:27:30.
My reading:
2:11:48
